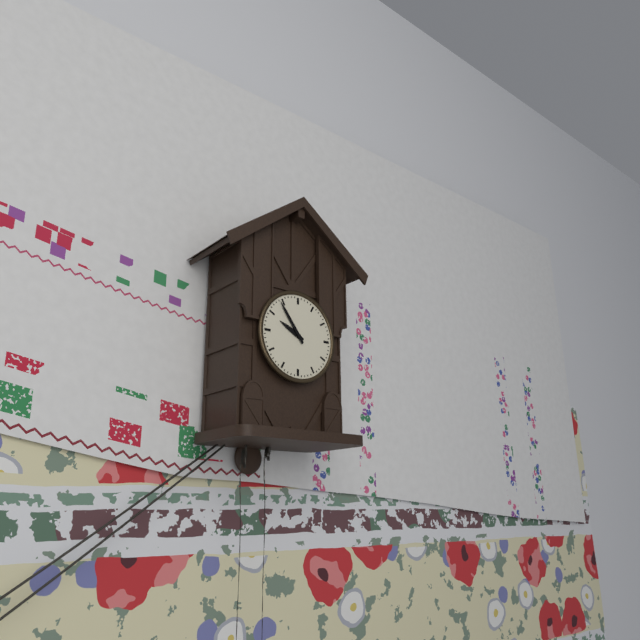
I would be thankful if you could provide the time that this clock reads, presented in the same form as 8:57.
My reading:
9:54
